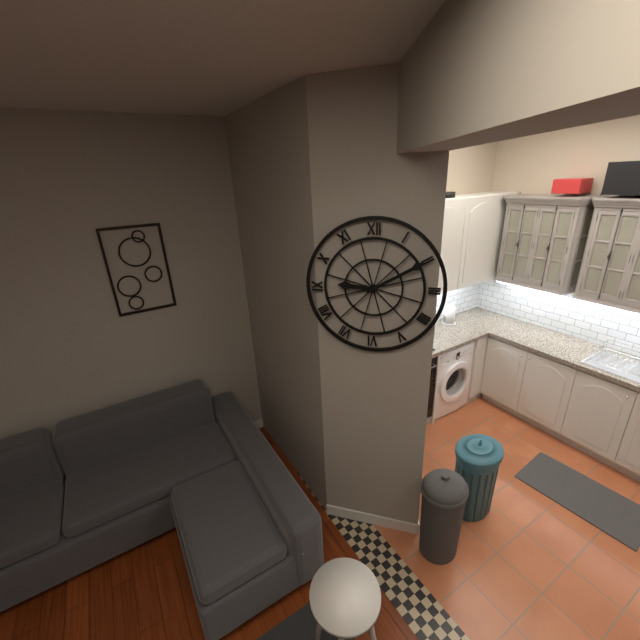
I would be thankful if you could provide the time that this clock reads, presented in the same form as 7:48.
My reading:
9:10
